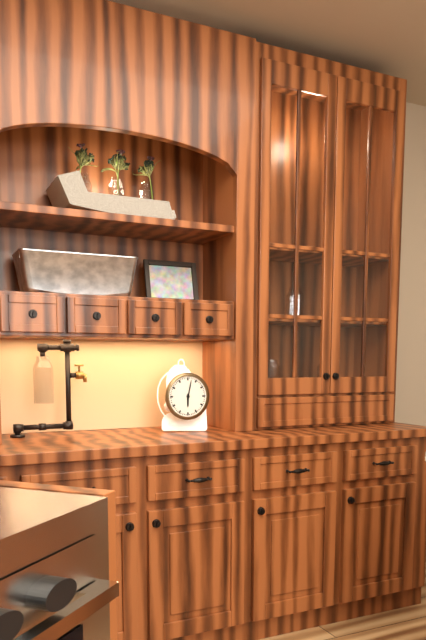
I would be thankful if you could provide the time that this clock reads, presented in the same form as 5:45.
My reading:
6:02
